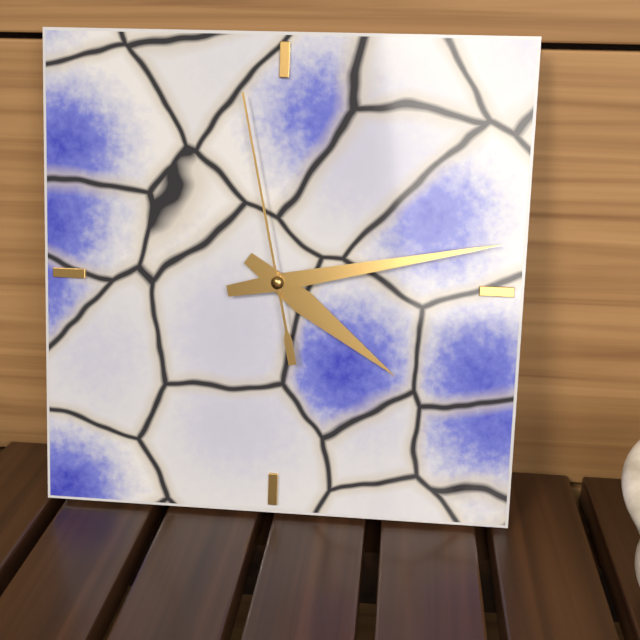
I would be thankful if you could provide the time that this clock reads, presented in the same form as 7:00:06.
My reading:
4:13:58
